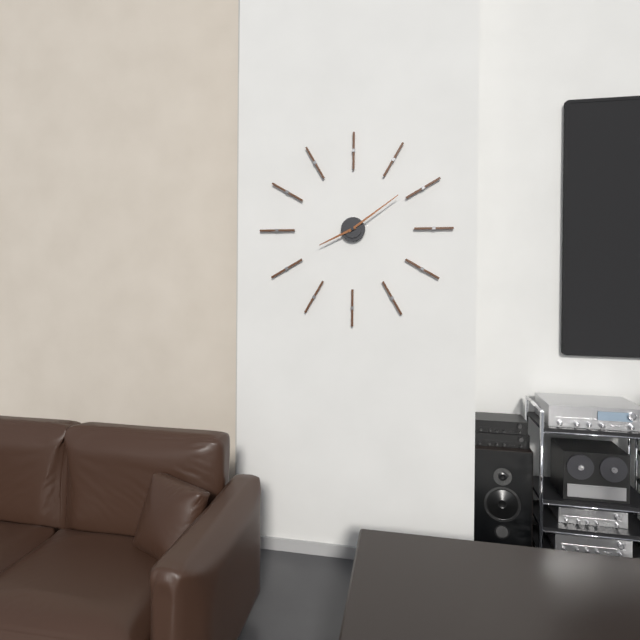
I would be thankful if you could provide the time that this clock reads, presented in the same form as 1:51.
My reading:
8:09
